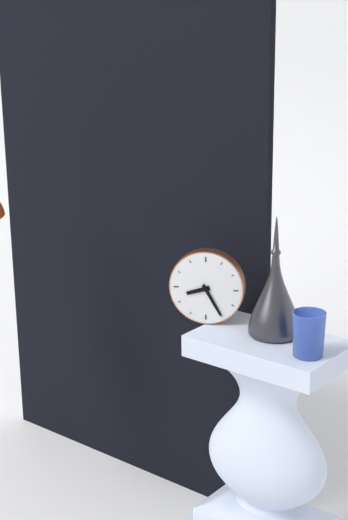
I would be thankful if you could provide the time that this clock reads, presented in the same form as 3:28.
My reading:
8:25
